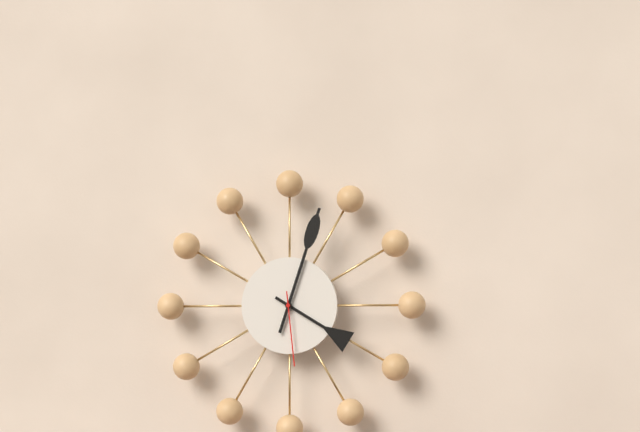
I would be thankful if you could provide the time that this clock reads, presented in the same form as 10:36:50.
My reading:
4:03:29
